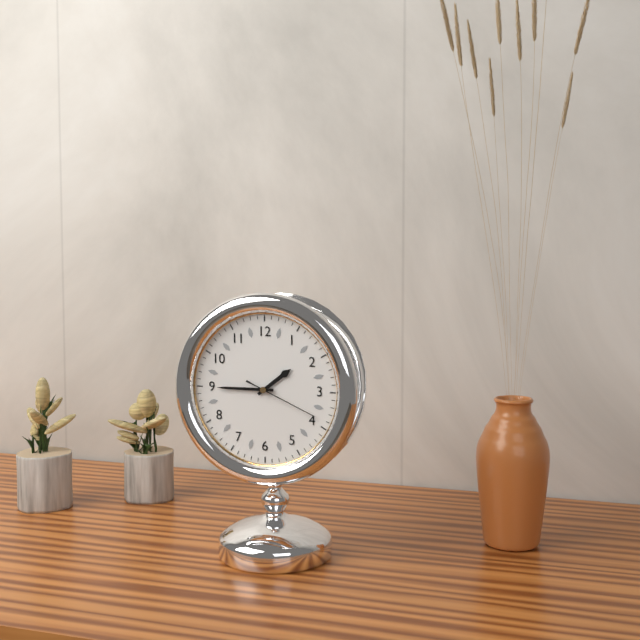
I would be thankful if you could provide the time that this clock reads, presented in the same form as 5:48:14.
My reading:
1:45:19
